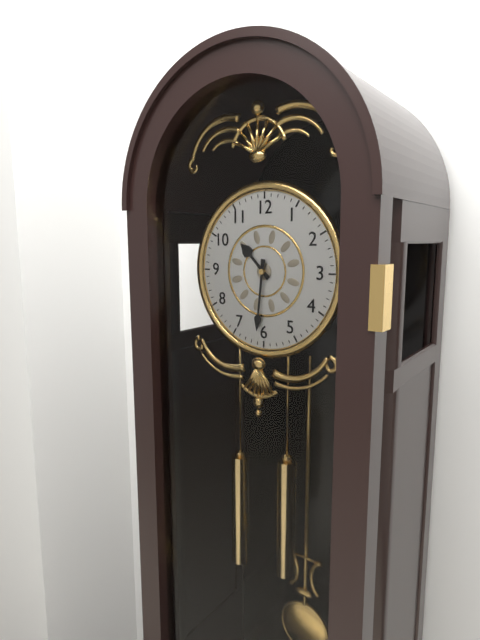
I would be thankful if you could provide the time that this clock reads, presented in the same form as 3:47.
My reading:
10:31
